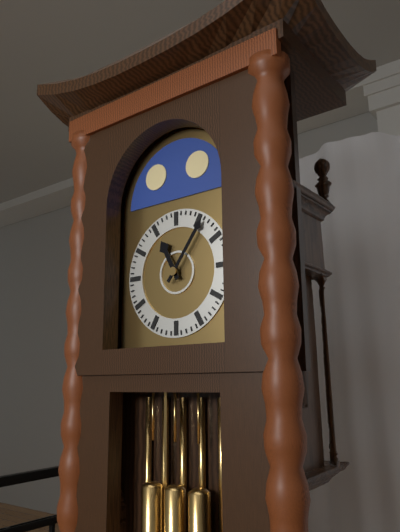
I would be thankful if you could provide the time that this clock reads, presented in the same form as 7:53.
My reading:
11:06
